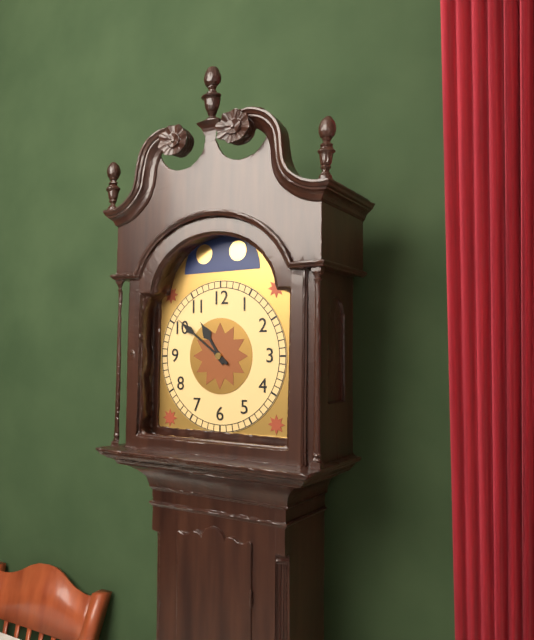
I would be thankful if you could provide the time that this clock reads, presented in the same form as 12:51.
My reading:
10:51
